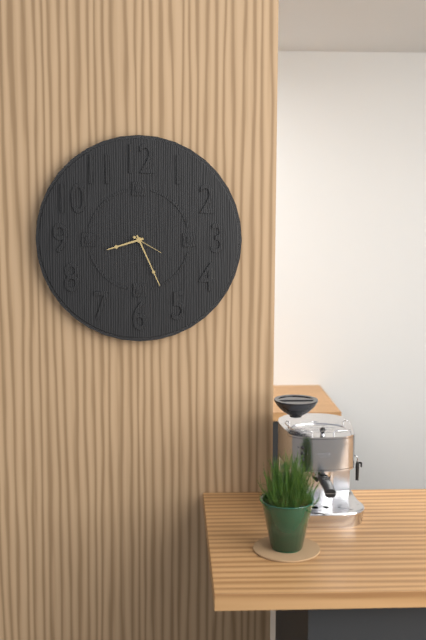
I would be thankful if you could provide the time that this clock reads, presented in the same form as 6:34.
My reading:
8:26
